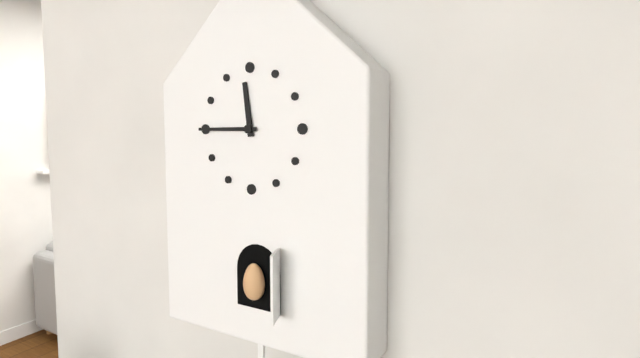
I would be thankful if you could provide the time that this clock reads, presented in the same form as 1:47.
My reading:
11:45
